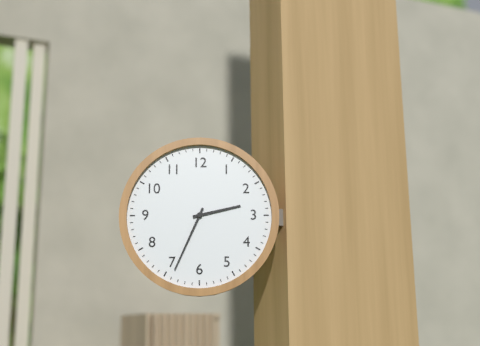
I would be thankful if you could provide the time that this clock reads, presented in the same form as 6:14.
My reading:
2:34
